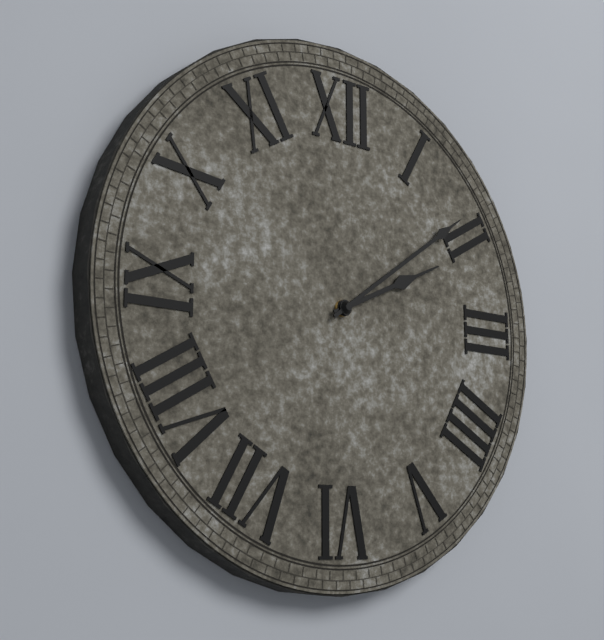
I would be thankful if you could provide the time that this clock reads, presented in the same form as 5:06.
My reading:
2:09
